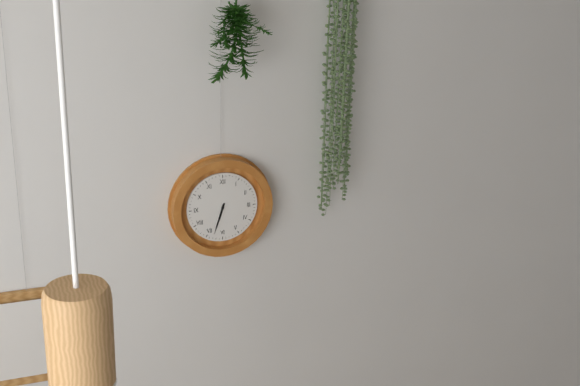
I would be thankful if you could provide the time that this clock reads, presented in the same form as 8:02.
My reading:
6:33
